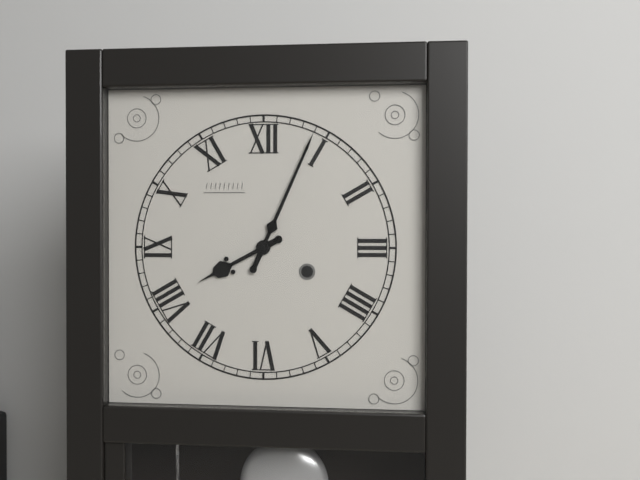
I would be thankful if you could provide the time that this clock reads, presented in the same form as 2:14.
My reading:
8:04
